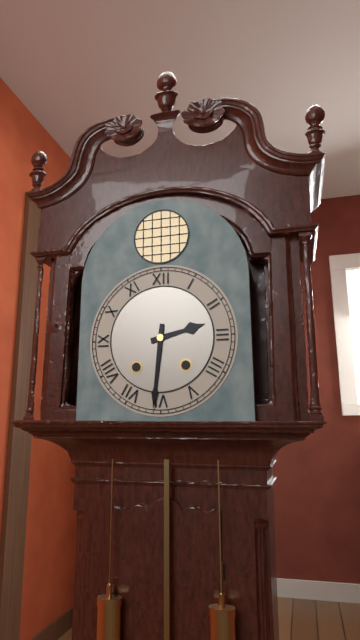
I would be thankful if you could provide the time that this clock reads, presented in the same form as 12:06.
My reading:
2:31
